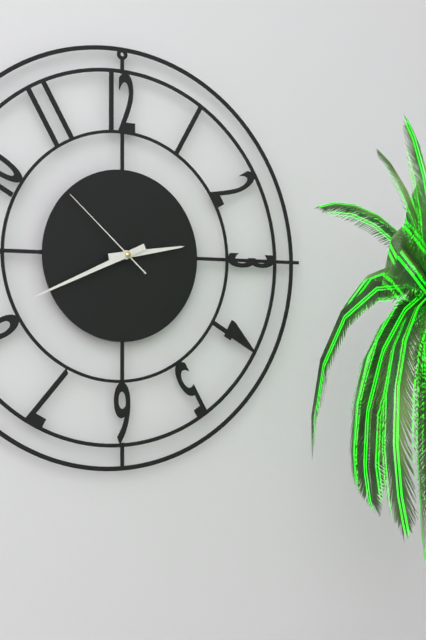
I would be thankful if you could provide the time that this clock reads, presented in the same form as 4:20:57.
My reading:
2:41:52
